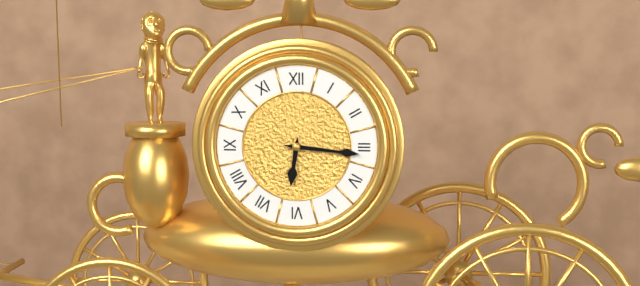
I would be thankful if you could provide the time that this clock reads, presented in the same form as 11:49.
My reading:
6:16
